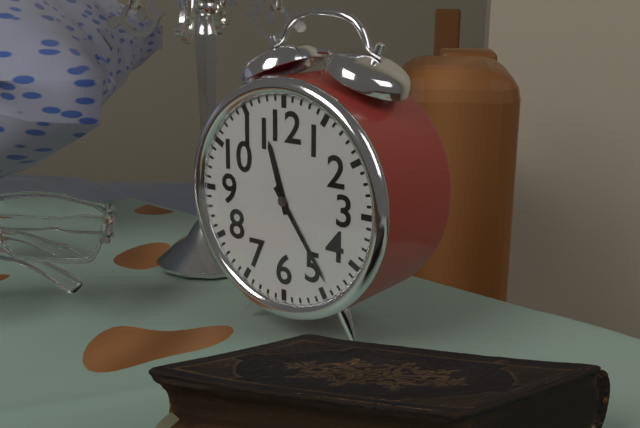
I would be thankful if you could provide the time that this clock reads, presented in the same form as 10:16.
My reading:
11:24
